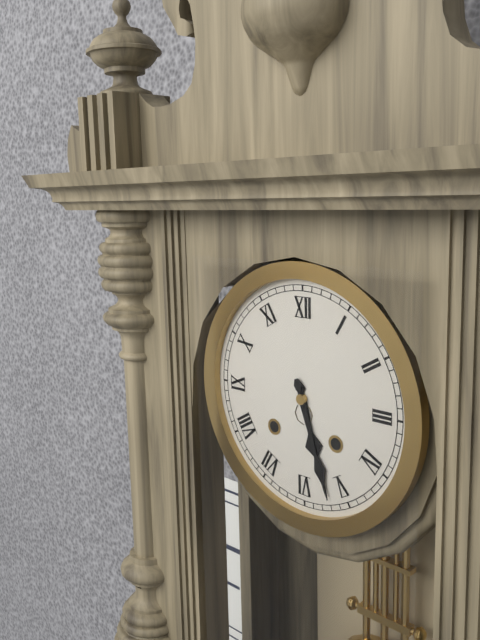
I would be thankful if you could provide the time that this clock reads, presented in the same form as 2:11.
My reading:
5:27
